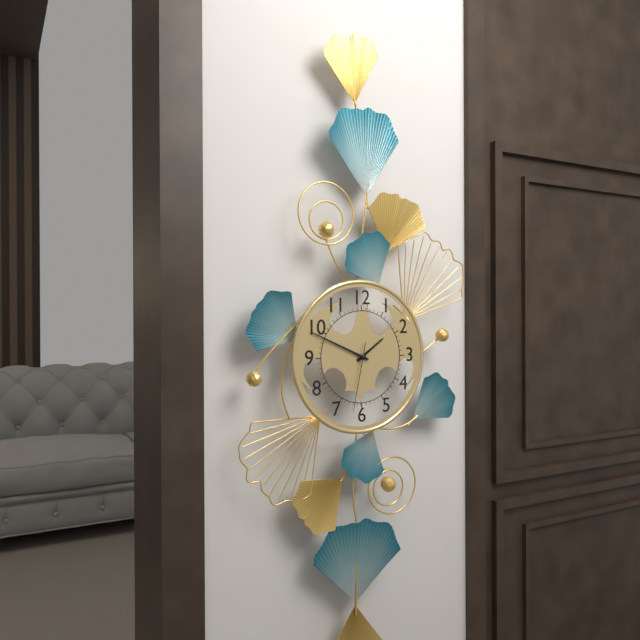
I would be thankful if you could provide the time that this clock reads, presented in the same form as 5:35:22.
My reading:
1:49:32
